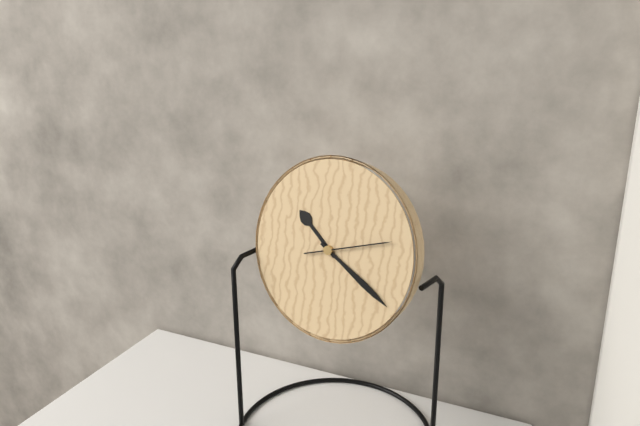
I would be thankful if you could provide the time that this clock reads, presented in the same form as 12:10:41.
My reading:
10:20:12
